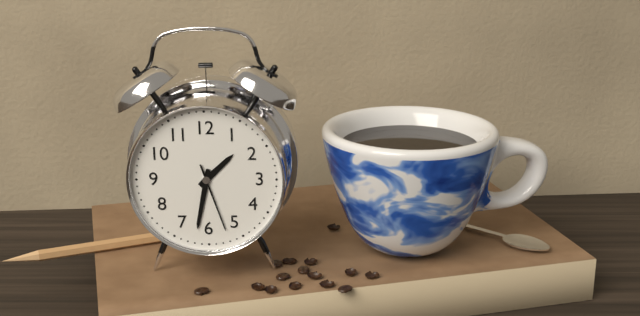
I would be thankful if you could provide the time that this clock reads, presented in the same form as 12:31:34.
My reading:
1:32:27
